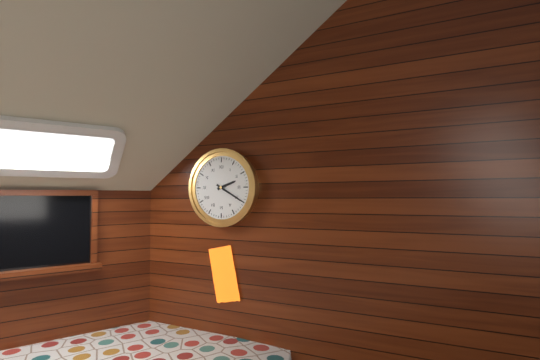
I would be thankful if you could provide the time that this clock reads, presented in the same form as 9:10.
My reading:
2:20
